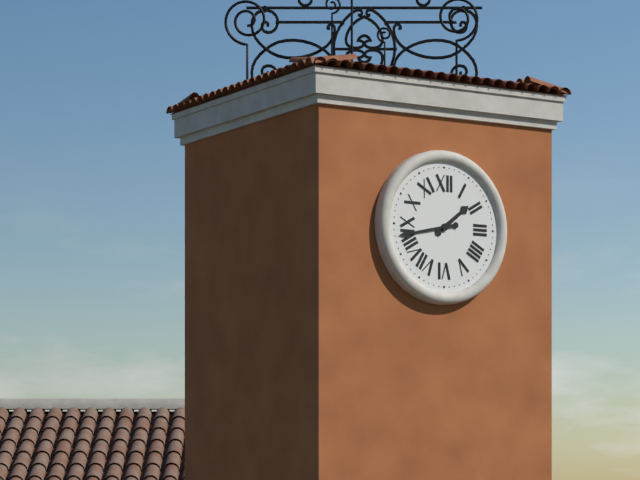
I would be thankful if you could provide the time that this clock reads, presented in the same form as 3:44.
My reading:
1:43
